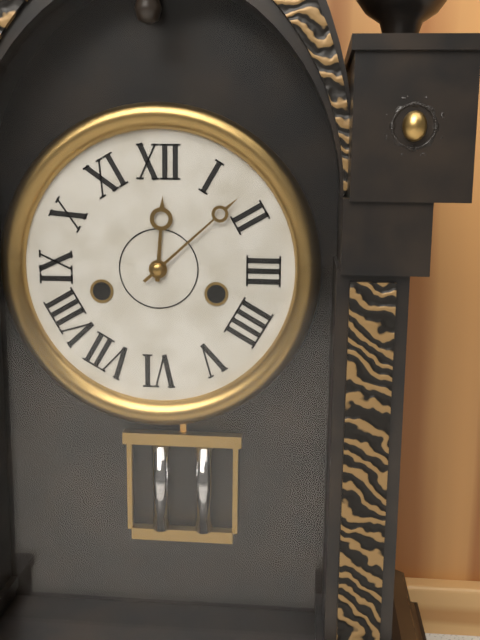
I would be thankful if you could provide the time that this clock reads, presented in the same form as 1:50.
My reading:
12:08
